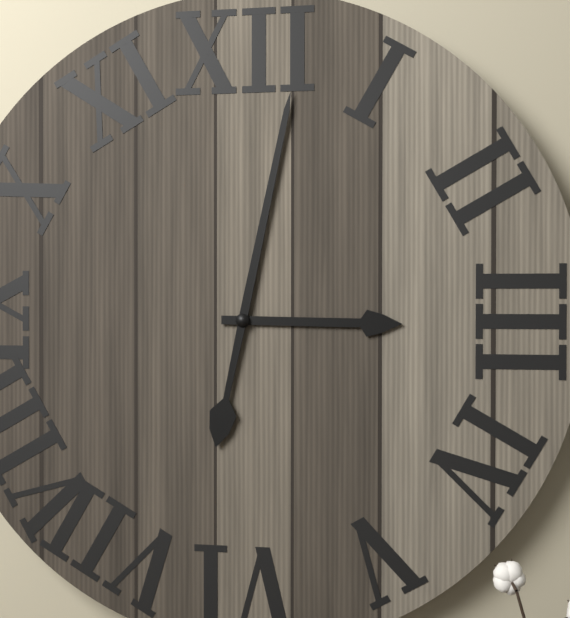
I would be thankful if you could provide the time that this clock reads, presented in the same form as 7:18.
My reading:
3:02
